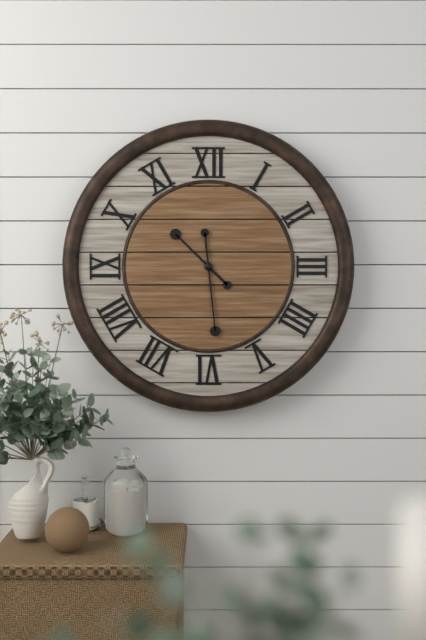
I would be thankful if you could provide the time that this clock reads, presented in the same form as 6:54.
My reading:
10:29
